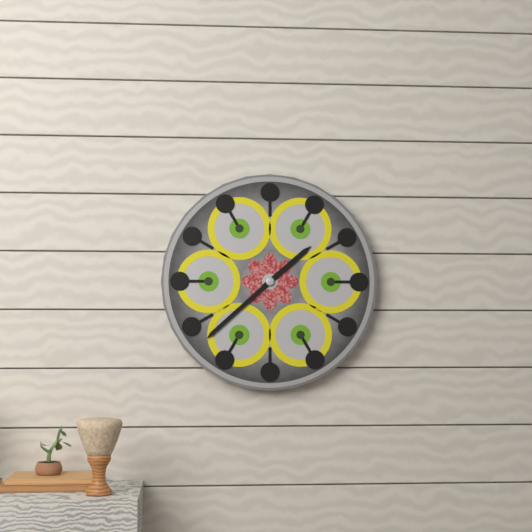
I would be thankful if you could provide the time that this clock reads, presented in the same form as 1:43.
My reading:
1:38
